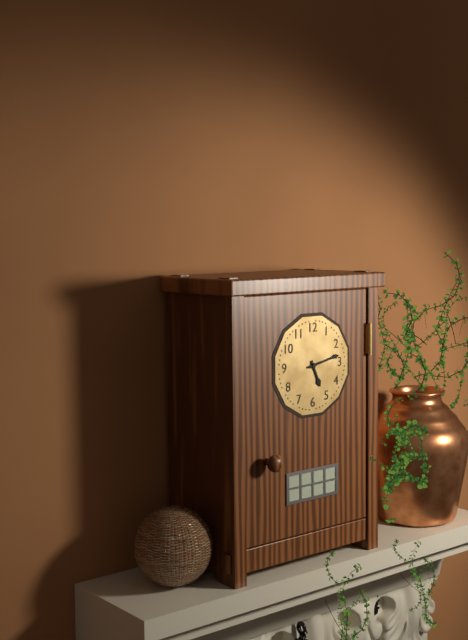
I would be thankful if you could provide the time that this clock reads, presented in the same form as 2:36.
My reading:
5:13
